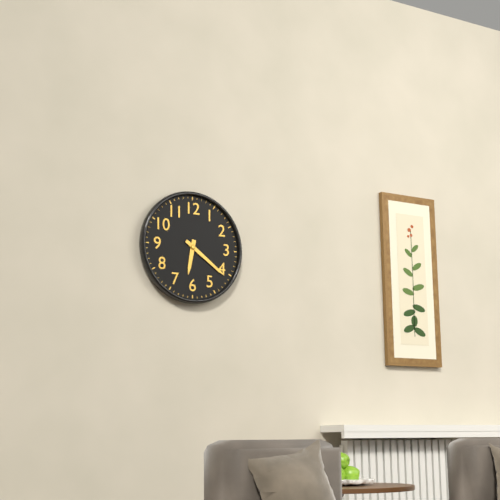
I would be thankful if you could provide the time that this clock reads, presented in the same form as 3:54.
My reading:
6:21
